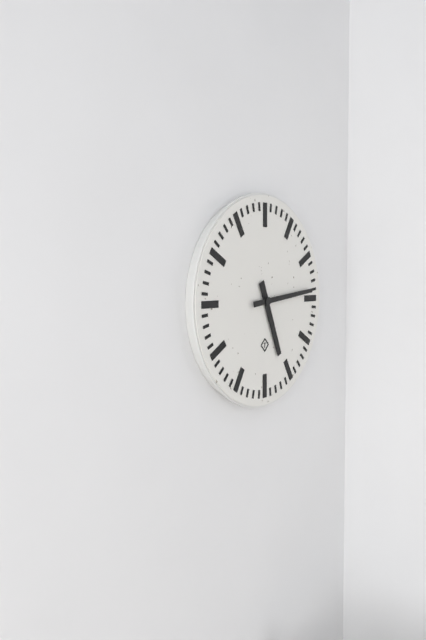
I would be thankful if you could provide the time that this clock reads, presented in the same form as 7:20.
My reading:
5:14
